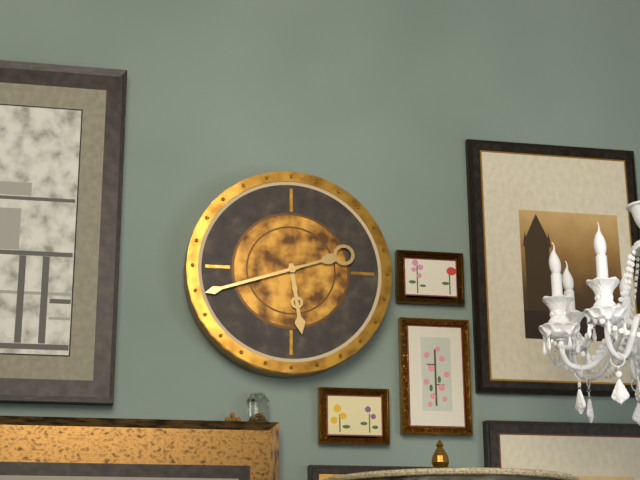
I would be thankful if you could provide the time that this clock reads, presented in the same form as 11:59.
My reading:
5:42
